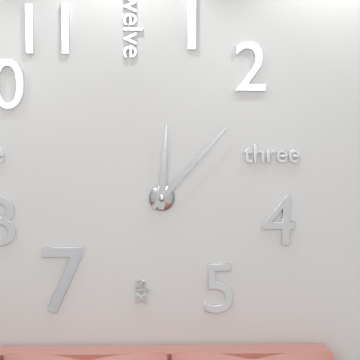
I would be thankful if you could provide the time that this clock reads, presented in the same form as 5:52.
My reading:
12:07
